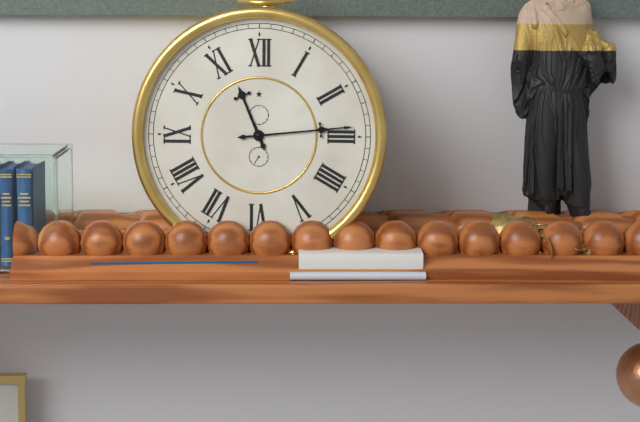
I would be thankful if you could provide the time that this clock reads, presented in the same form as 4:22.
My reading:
11:14
